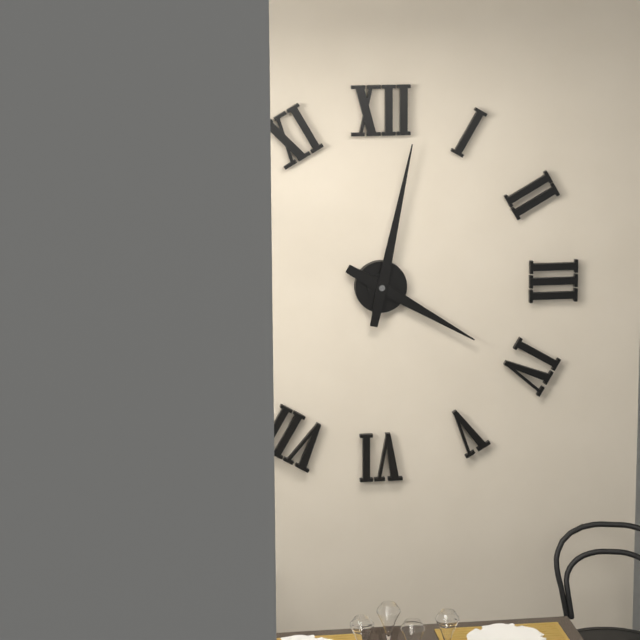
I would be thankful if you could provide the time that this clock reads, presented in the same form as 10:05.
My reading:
4:02
